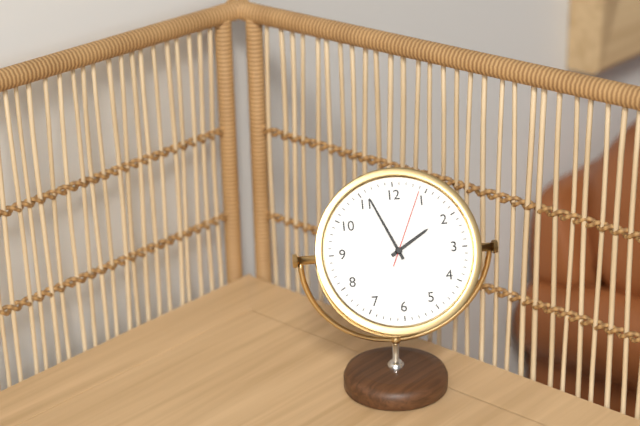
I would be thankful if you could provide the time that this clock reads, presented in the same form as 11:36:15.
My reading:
1:56:04
